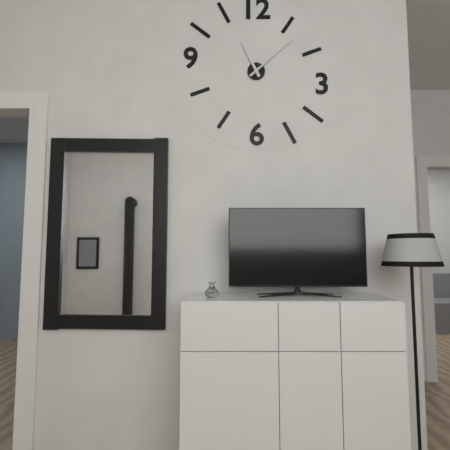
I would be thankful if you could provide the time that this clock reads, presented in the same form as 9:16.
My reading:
11:08
